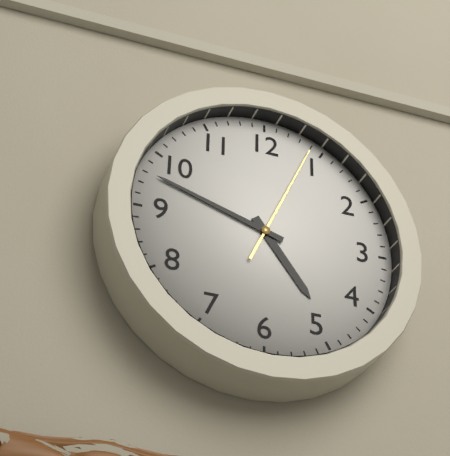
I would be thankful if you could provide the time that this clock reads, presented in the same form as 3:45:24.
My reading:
4:48:04
